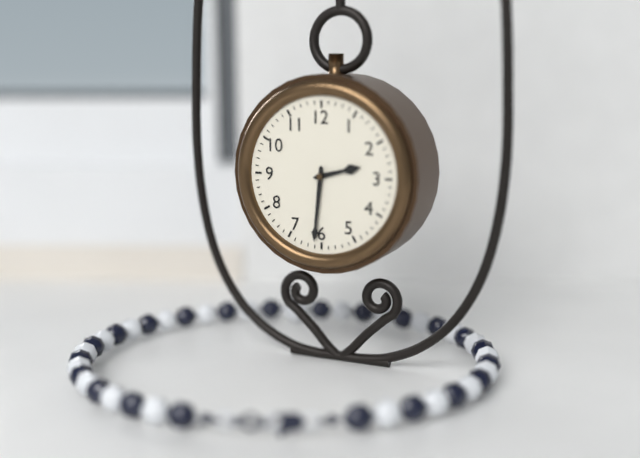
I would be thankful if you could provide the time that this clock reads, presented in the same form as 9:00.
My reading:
2:31
